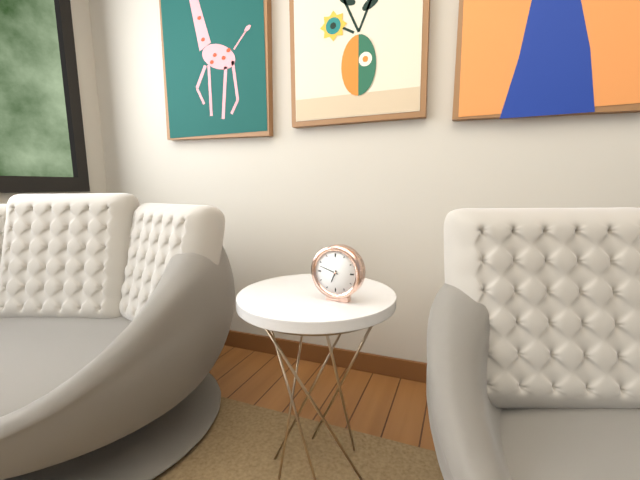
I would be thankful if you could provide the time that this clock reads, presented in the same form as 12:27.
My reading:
6:48
